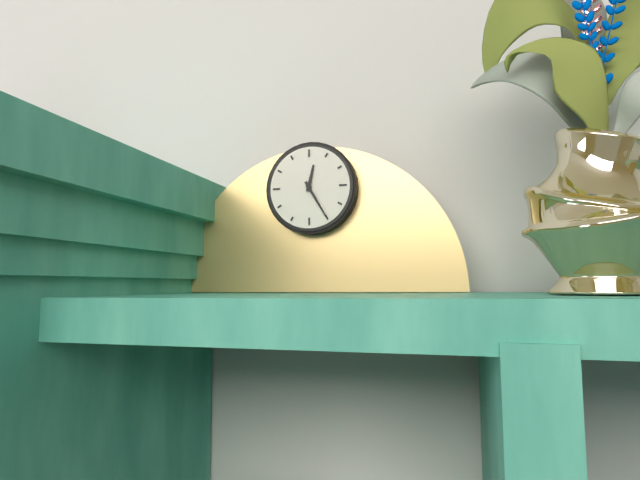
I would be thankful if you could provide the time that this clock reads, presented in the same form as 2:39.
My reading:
12:25
